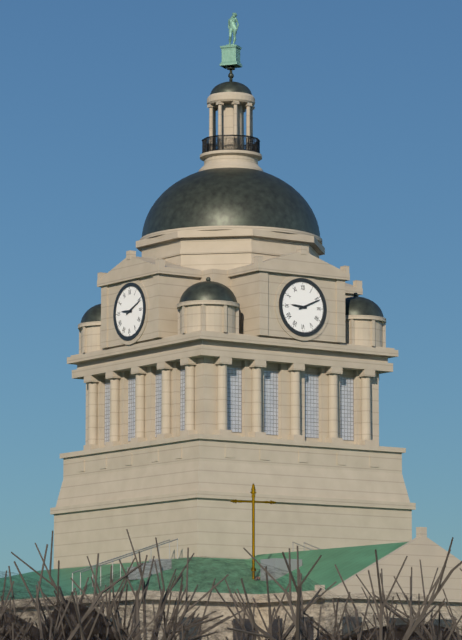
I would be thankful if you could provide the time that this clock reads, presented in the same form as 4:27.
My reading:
9:11
